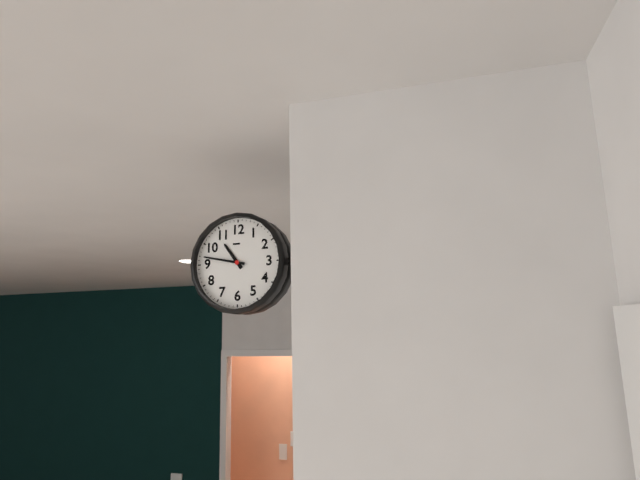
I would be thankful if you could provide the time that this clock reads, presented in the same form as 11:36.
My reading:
10:47
